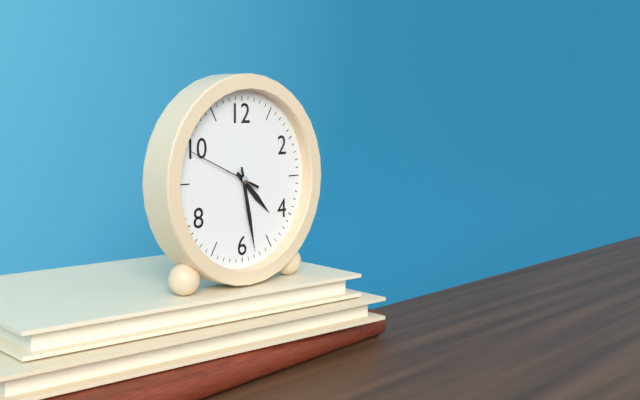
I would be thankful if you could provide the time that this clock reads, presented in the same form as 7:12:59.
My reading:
4:28:49
